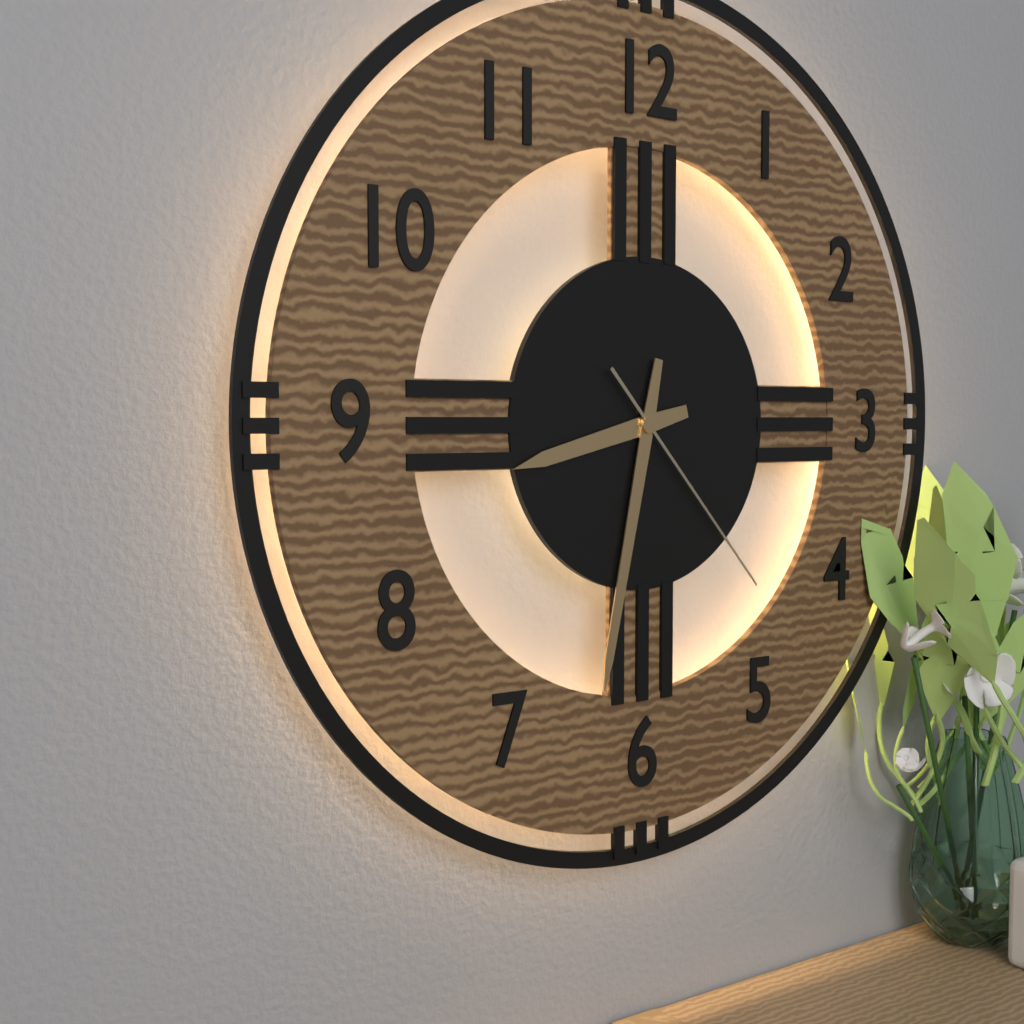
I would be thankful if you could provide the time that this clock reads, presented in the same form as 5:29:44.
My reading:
8:32:23
